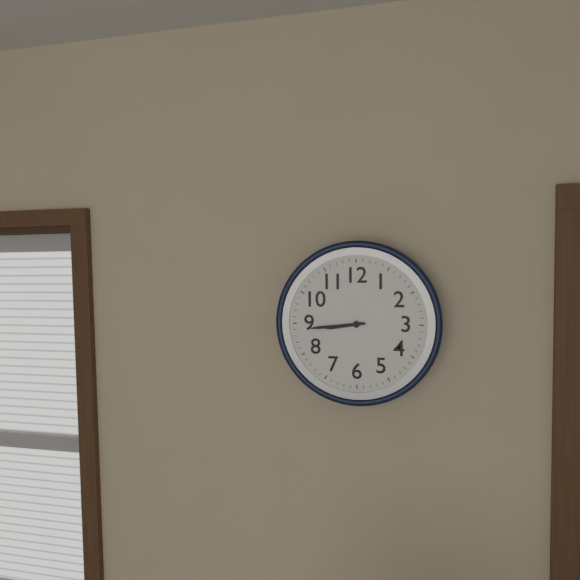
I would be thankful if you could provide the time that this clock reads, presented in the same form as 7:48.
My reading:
8:44
